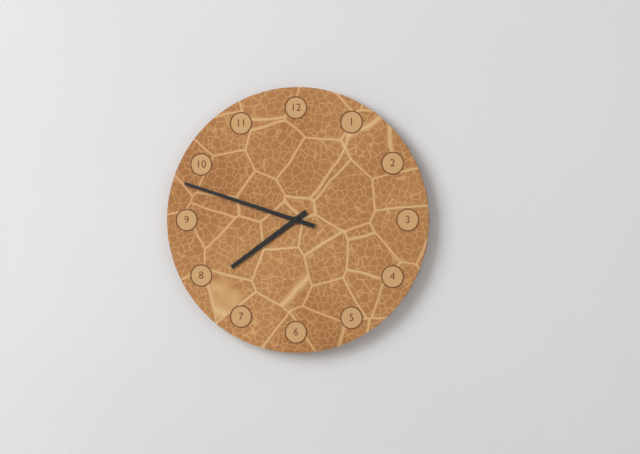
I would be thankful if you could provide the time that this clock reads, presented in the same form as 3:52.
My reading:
7:48
